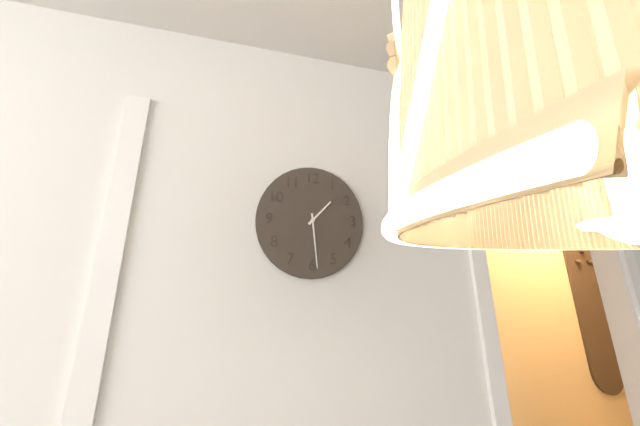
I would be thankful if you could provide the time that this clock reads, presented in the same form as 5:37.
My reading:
1:29
